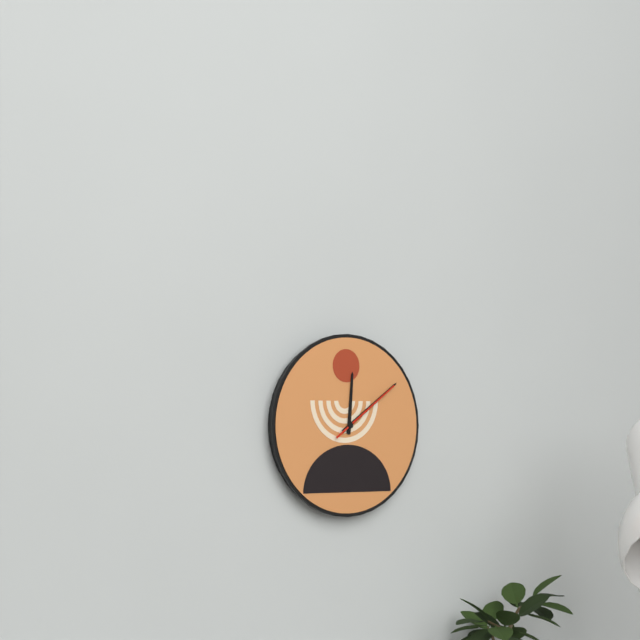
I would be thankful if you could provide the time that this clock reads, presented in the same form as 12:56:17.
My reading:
12:09:09
